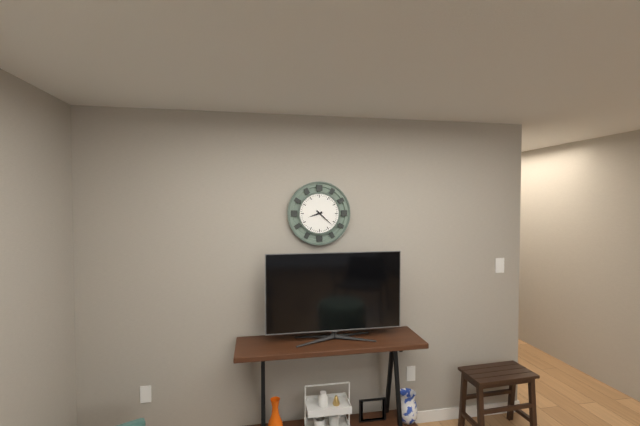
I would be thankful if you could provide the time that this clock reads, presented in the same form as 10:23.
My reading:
8:22
